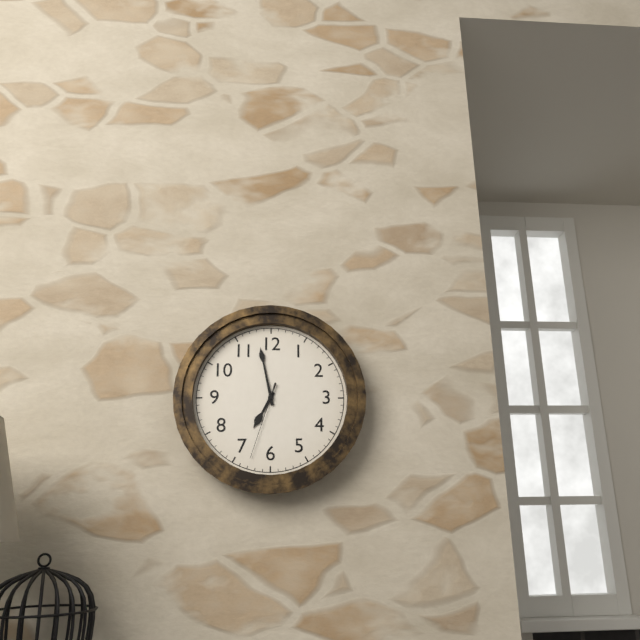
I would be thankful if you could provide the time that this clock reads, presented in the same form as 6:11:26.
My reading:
6:58:33
